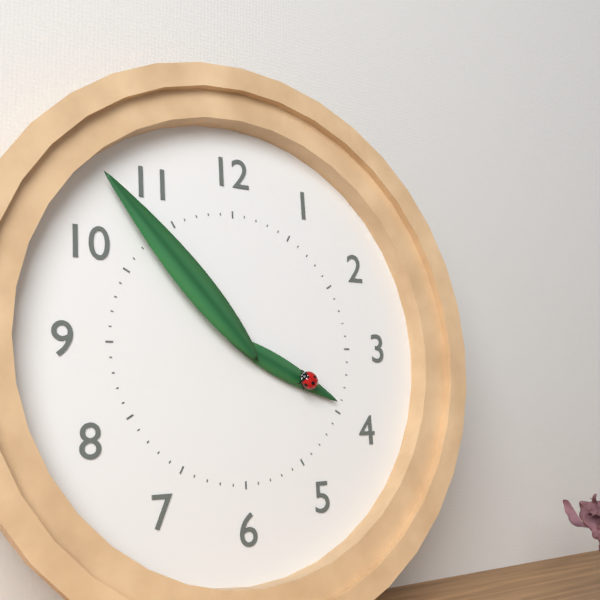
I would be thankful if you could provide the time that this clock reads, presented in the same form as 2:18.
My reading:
3:53
